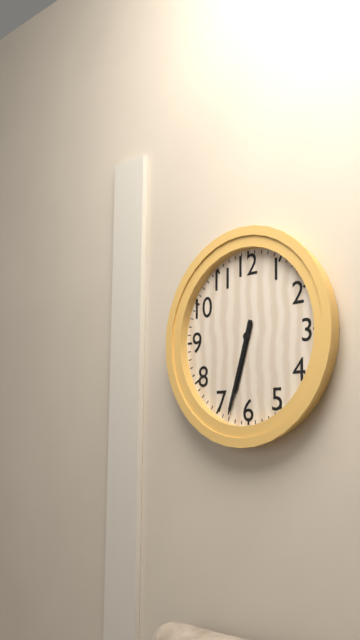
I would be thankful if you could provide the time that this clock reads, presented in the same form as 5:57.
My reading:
6:33
